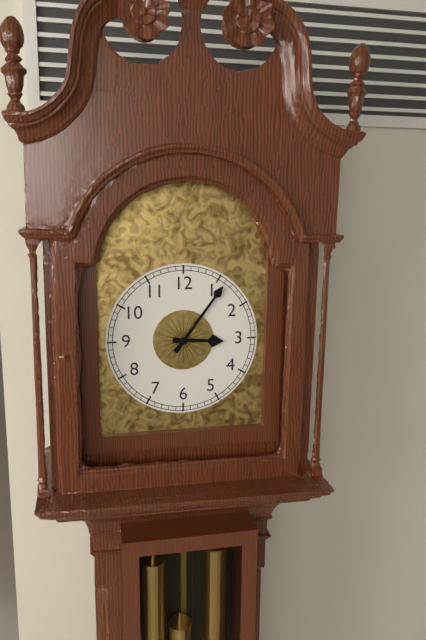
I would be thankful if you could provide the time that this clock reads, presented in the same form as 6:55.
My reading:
3:06
